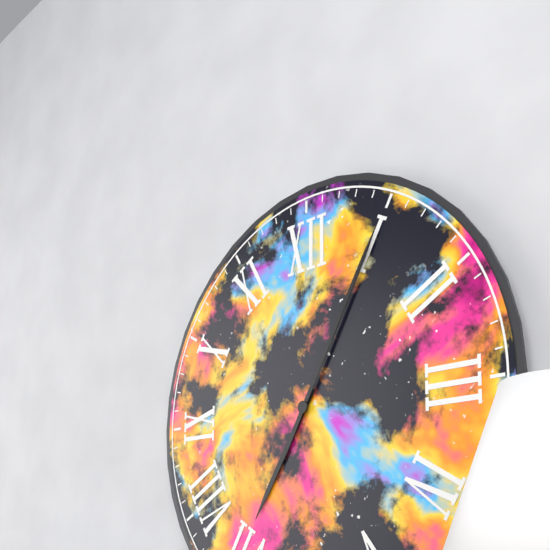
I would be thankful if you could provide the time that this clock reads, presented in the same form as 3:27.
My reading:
7:05
